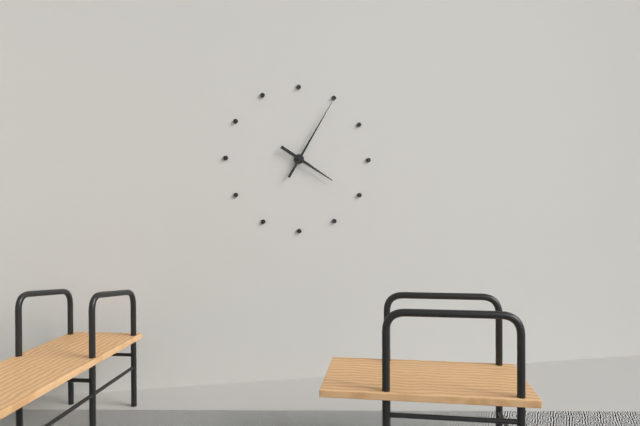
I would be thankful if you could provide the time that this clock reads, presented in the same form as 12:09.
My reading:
4:05
